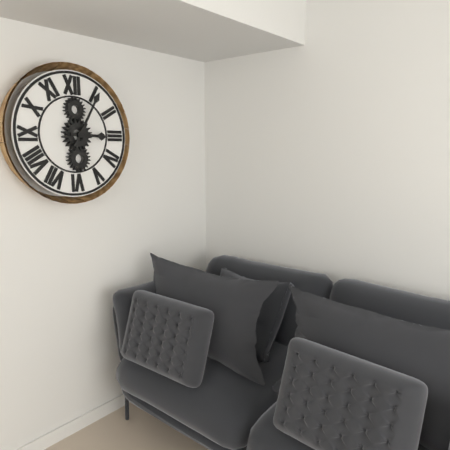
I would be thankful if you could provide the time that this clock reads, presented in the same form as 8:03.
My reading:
3:05
